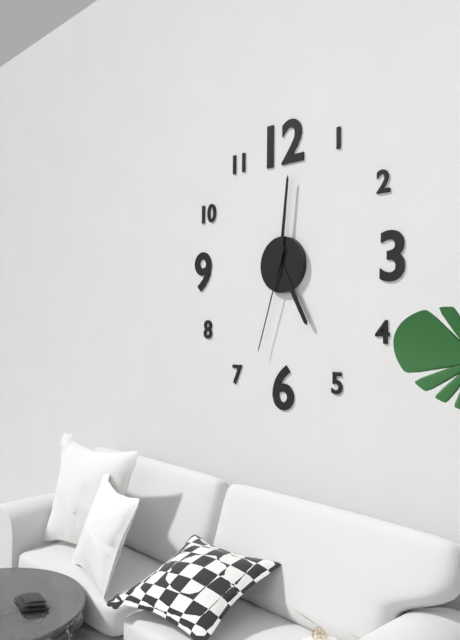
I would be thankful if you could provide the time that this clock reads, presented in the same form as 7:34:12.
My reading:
5:01:33
